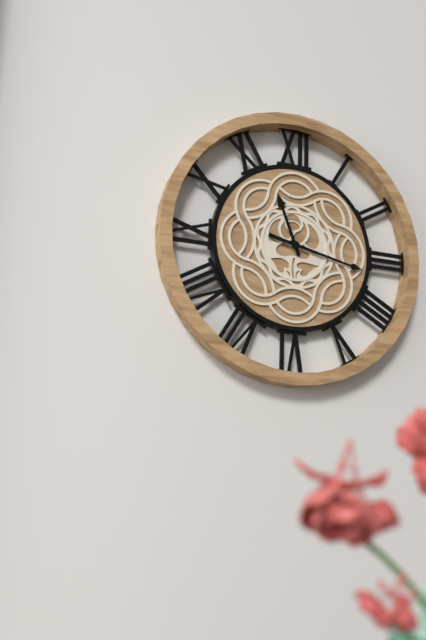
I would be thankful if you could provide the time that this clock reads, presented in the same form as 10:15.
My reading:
11:17
